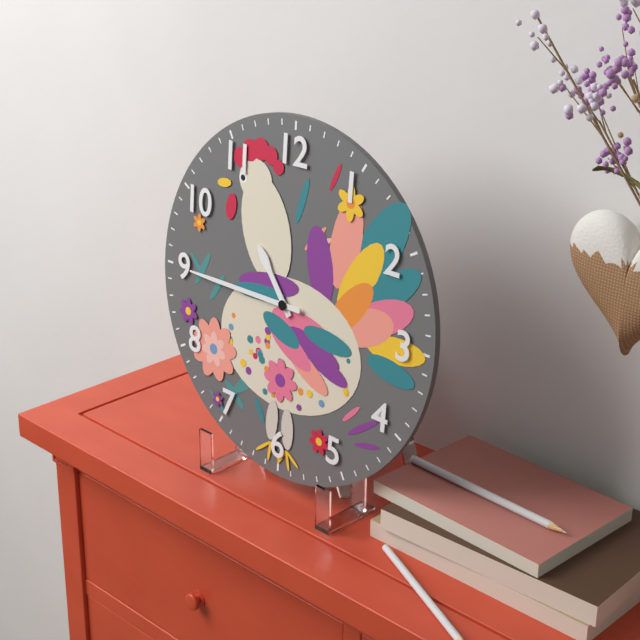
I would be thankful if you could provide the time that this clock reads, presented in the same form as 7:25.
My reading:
10:45
